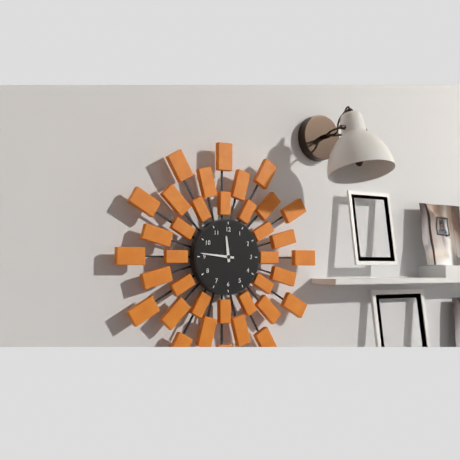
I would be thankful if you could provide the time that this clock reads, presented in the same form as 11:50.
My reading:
11:46
